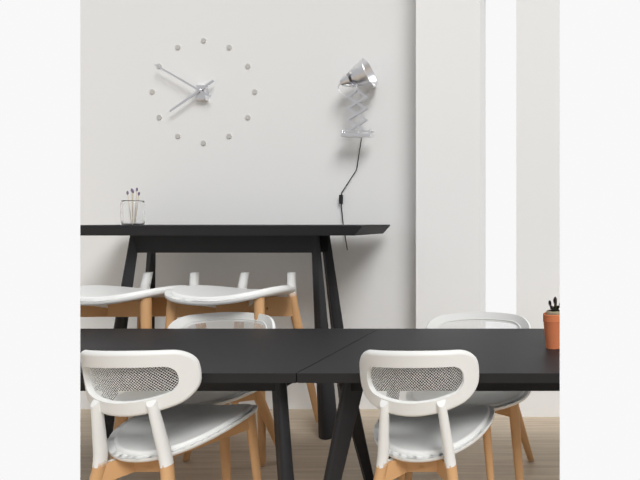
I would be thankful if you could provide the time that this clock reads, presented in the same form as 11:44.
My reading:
7:50
